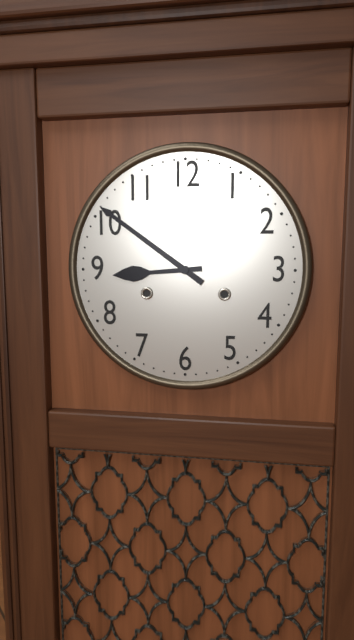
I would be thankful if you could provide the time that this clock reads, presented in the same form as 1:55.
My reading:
8:51
